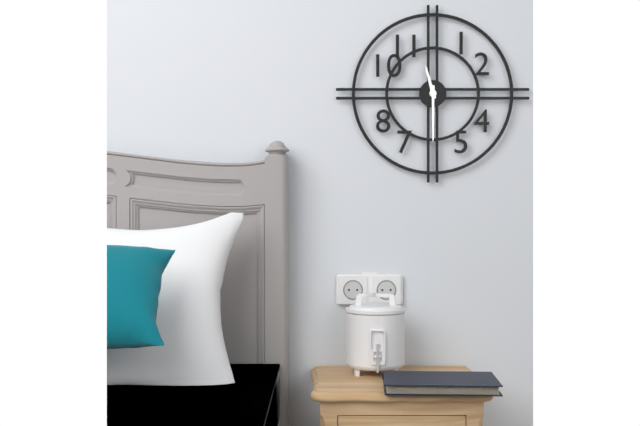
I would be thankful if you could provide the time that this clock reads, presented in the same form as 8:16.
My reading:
11:30
